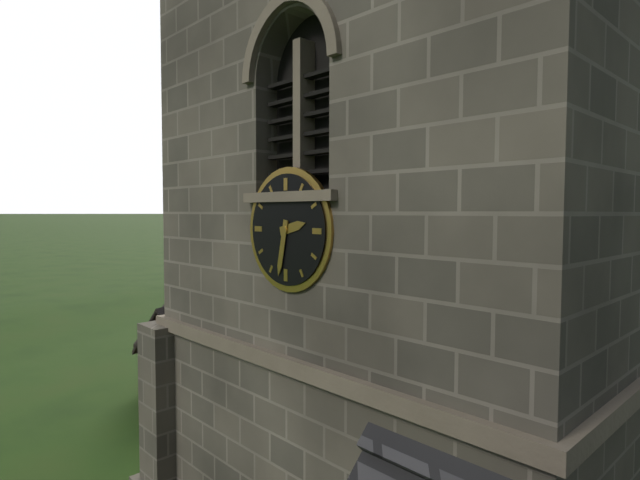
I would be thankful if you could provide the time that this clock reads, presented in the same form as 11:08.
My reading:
2:32
